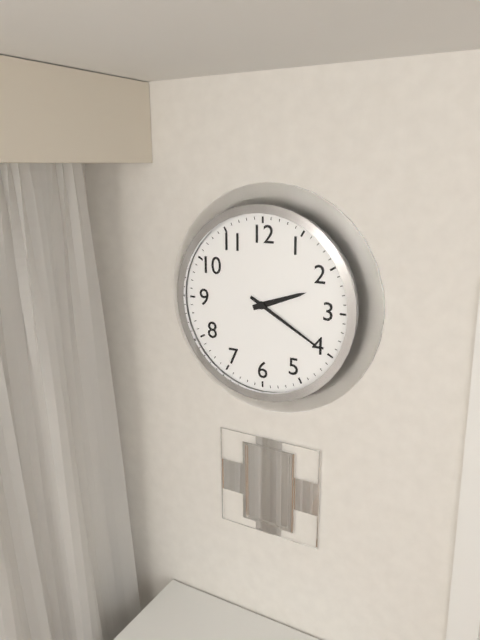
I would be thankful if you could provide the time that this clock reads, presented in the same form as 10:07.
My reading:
2:20
